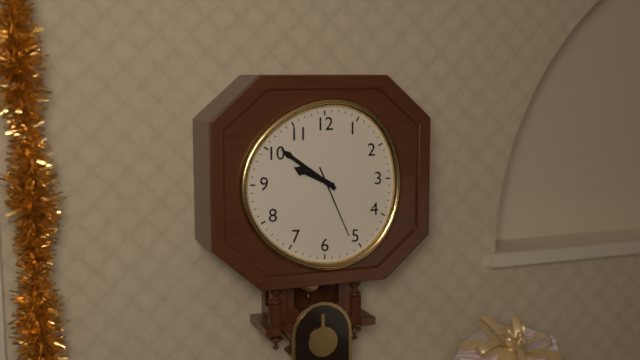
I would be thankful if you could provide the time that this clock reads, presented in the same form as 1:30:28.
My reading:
9:51:26
